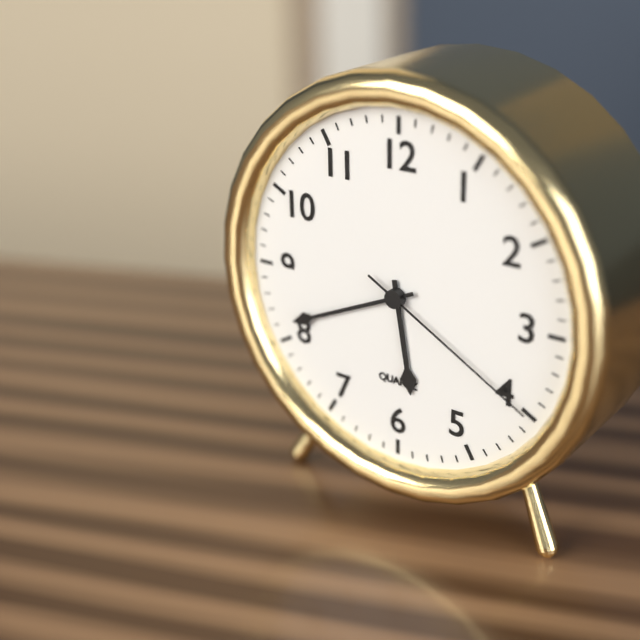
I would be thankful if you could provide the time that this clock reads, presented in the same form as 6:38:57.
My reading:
5:41:20
